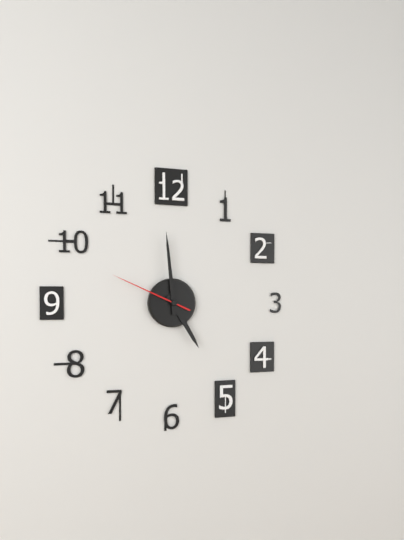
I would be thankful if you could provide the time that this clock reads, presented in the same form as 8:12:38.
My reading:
4:59:49
